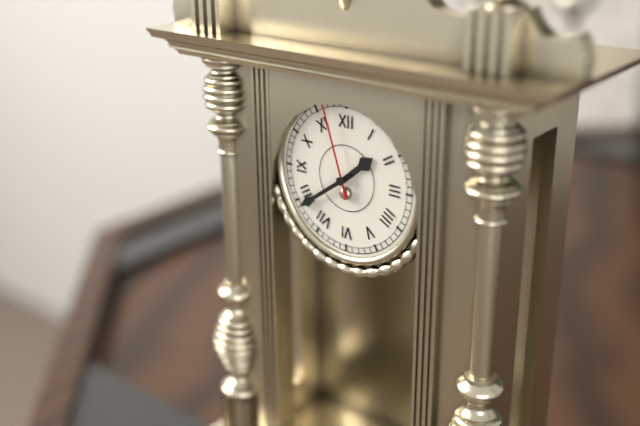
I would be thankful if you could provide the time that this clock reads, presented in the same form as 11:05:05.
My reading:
1:39:57
